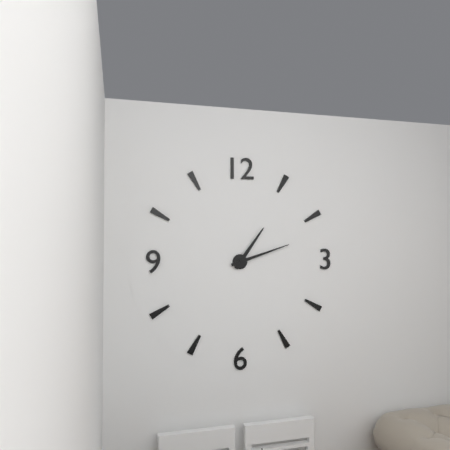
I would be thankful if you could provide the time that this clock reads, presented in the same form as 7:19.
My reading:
1:12
